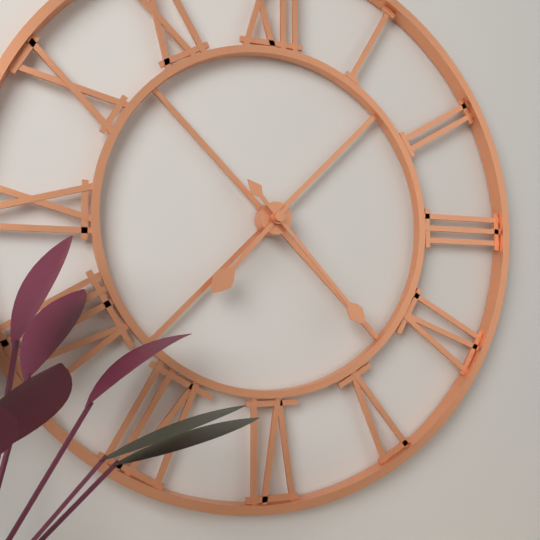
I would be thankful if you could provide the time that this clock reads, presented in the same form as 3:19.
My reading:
7:23
